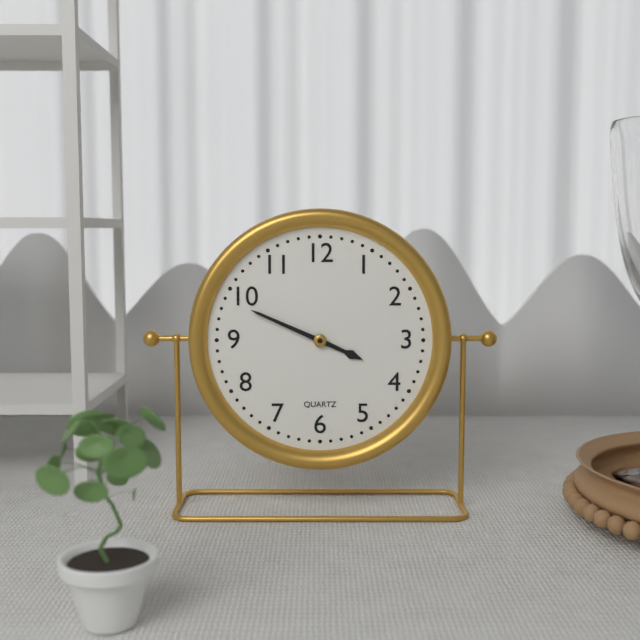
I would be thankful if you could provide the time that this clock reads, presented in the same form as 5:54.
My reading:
3:49
